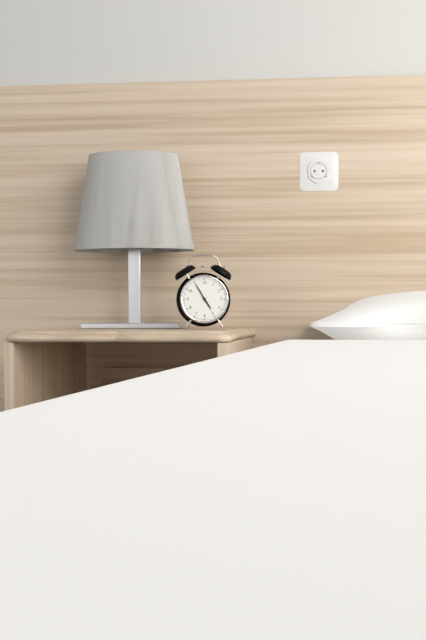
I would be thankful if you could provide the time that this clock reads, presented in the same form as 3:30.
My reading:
4:55
